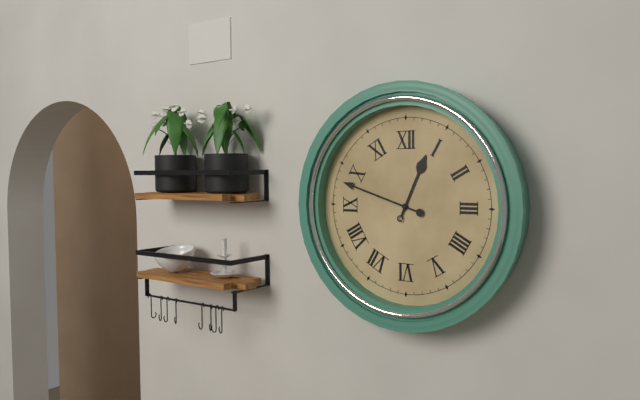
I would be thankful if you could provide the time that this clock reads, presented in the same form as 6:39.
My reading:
12:48
